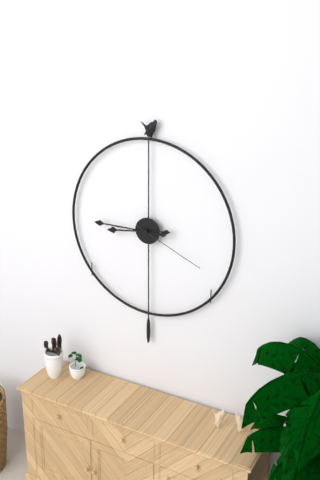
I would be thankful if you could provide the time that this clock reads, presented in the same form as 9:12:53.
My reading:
8:45:19
